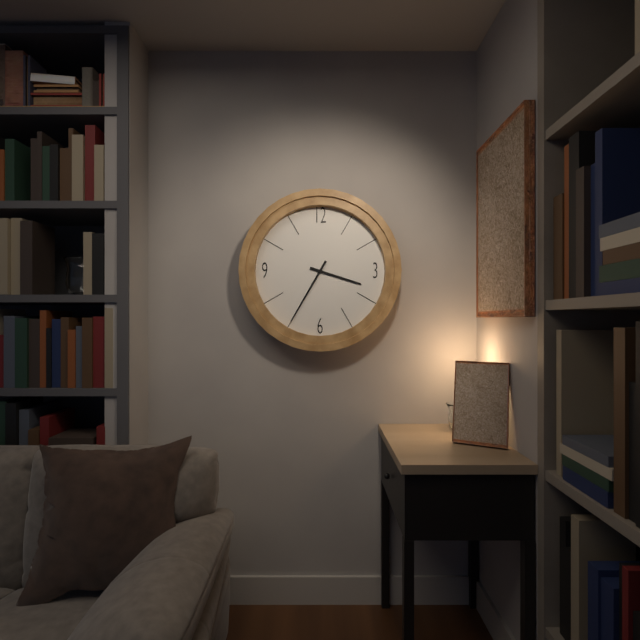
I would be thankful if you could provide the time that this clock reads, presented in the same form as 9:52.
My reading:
3:35
